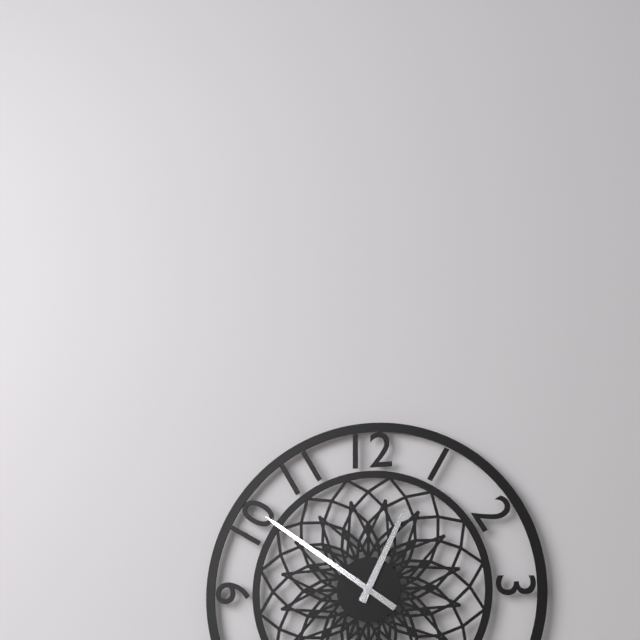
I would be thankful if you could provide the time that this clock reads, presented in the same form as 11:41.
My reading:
12:51
